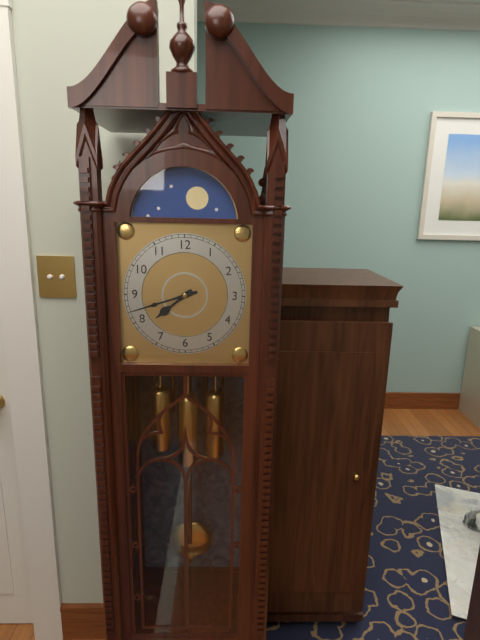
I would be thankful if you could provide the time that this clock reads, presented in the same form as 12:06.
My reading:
7:42
